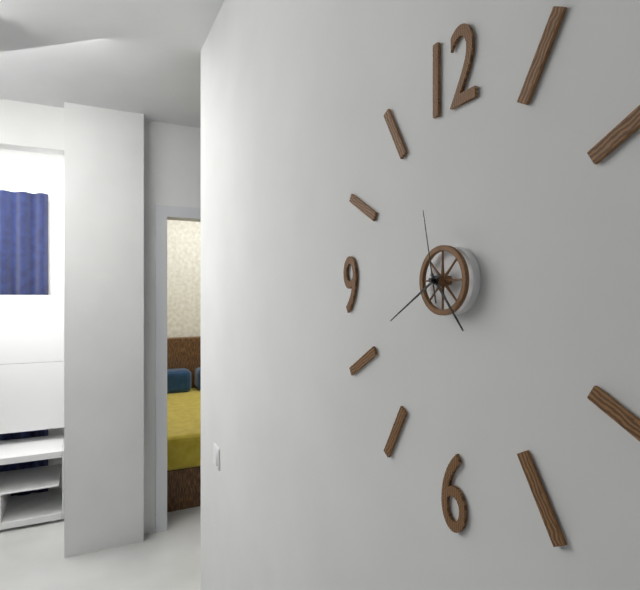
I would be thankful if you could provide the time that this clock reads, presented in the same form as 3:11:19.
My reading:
4:40:58
